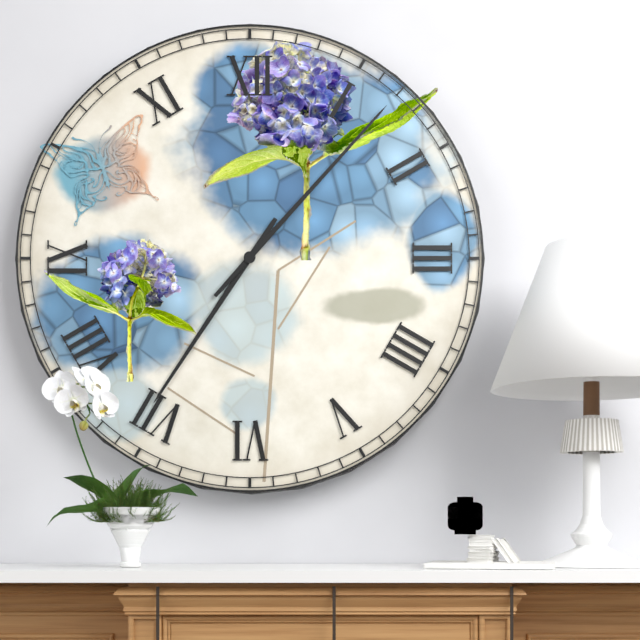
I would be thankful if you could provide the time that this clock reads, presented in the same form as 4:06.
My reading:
7:07
